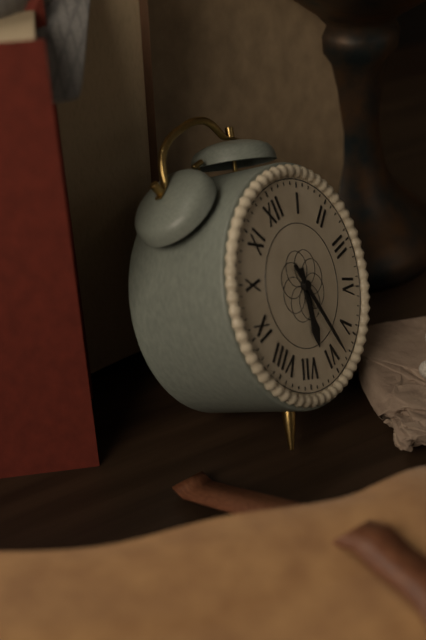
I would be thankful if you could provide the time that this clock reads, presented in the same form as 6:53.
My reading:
6:28
